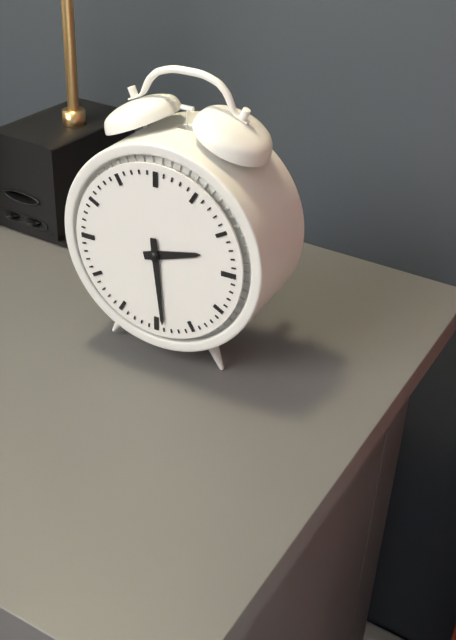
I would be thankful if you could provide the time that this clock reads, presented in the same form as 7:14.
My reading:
2:29
